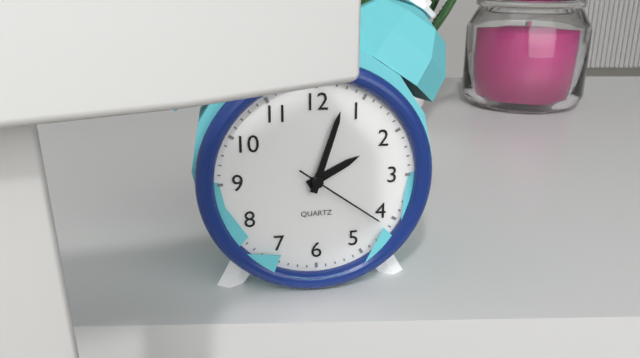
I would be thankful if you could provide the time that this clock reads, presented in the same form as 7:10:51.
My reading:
2:03:21
